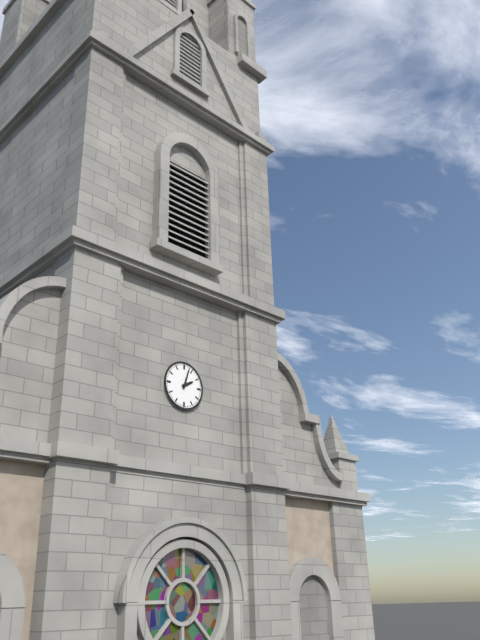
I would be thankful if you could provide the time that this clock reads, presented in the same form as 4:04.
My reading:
2:03
